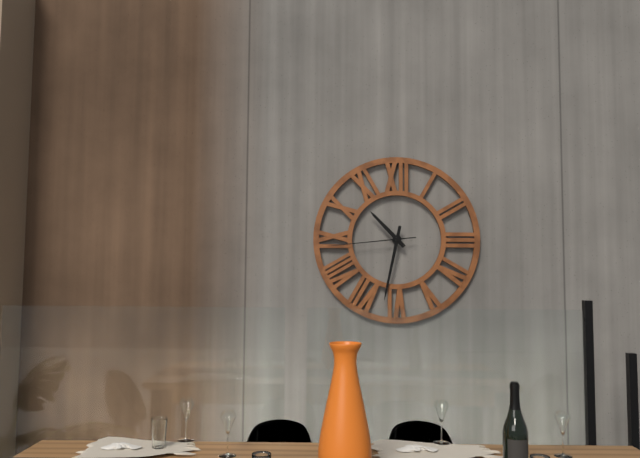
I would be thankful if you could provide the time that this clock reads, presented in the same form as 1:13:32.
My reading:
10:32:44
